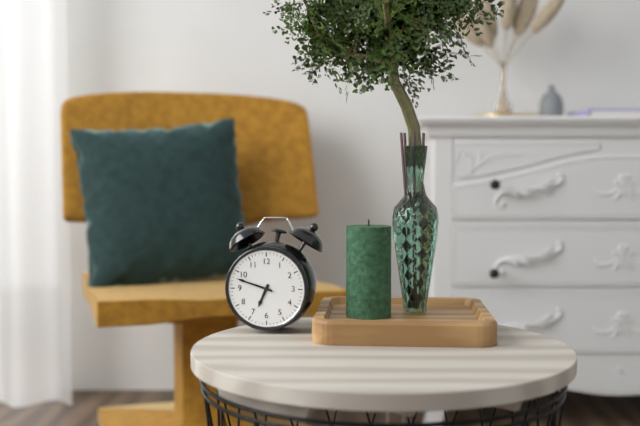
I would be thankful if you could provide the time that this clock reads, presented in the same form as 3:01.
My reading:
6:48
